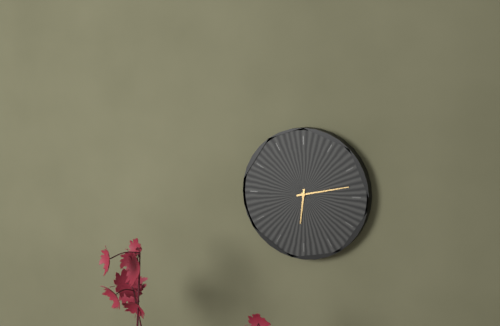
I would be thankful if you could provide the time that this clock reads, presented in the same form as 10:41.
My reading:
6:13
